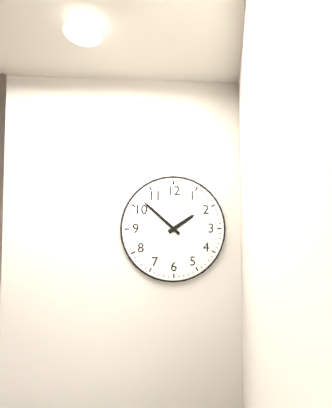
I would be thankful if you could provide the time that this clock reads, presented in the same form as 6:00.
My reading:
1:52
